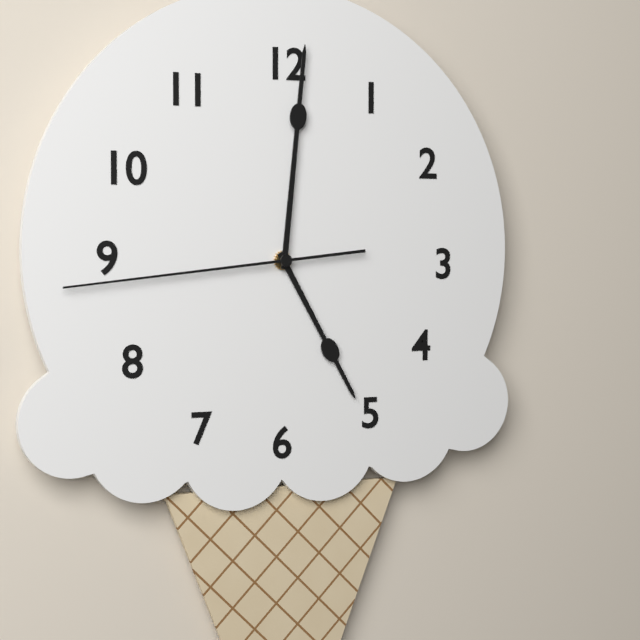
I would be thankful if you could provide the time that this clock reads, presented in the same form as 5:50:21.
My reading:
5:01:44
